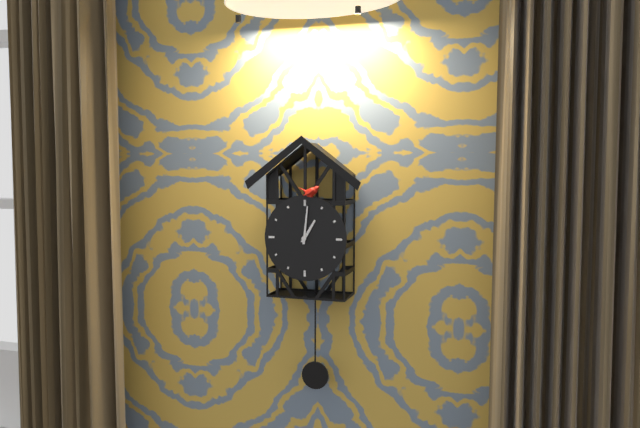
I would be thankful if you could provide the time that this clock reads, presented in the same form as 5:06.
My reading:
1:01
